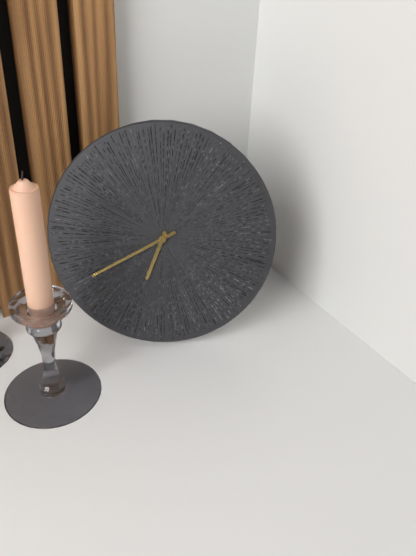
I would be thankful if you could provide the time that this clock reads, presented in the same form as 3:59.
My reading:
6:40
